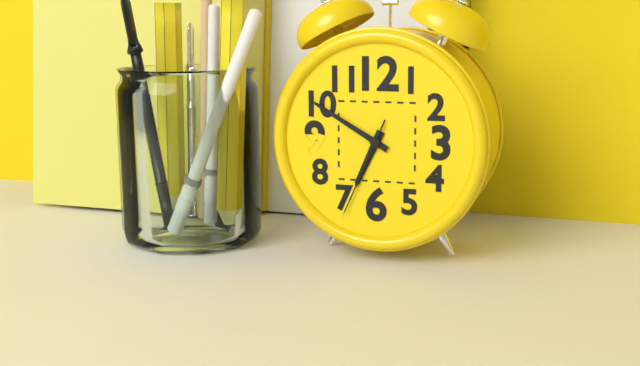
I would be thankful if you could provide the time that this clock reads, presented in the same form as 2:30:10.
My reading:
6:50:34
